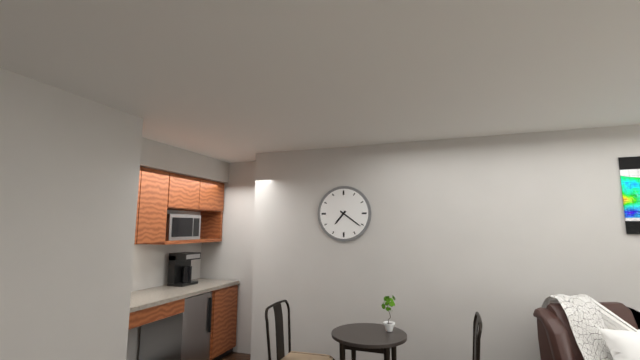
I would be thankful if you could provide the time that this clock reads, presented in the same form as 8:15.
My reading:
7:21
